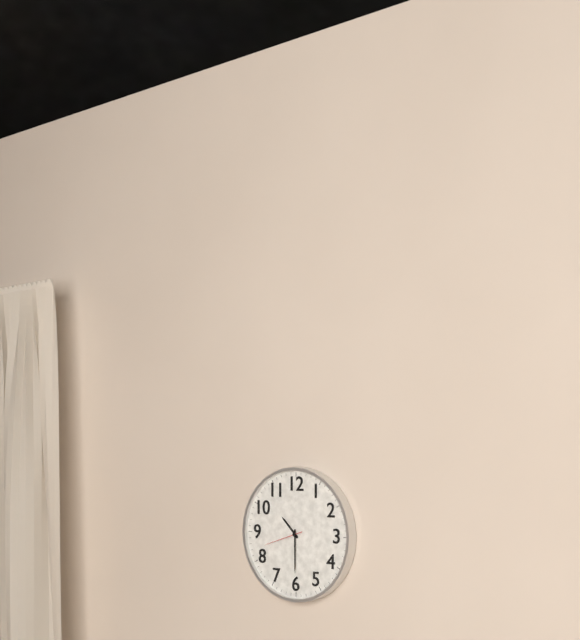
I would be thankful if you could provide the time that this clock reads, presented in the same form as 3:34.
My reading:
10:30
